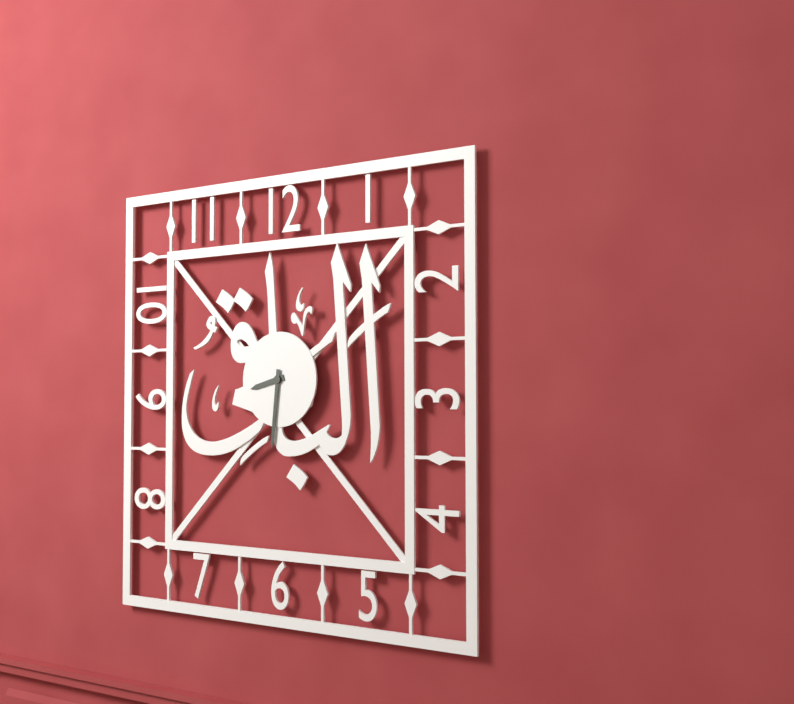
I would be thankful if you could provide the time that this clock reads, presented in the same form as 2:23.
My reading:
8:31
